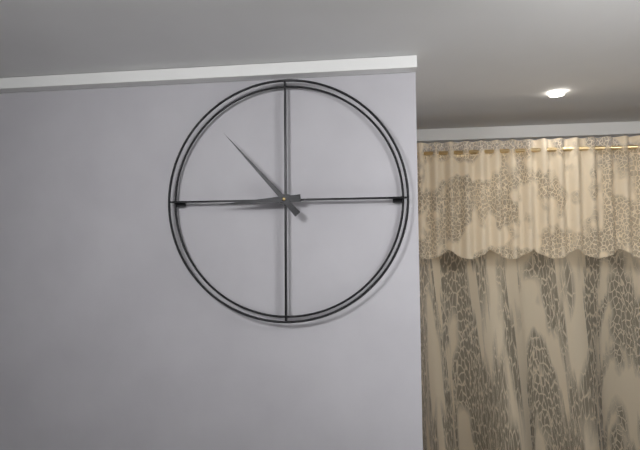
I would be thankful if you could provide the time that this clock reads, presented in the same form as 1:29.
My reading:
8:53
